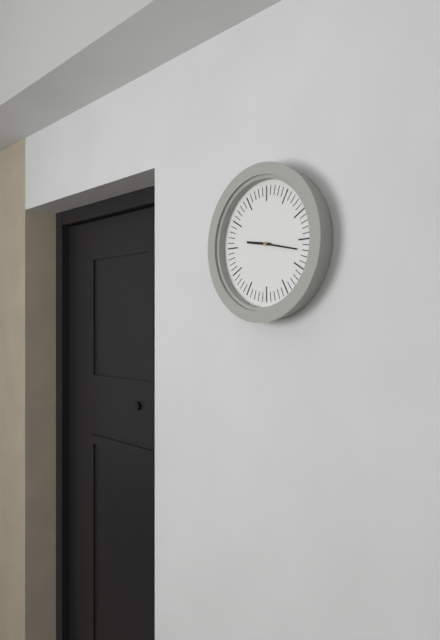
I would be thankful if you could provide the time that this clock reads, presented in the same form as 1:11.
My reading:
9:17
